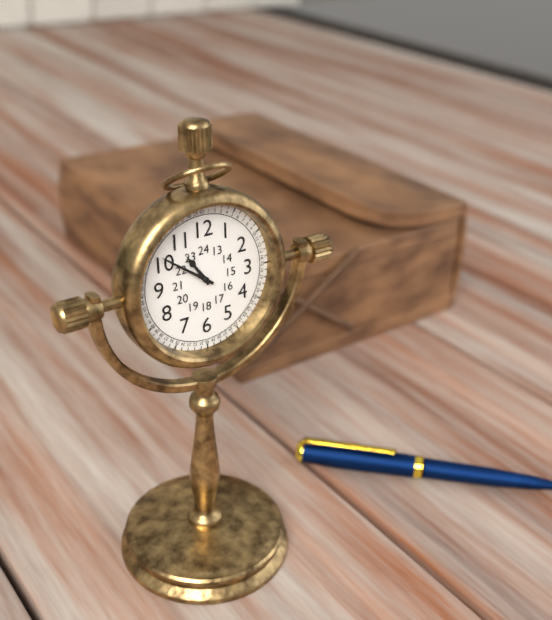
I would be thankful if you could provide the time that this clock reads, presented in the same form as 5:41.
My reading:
10:51
